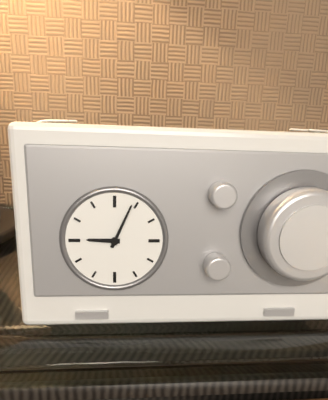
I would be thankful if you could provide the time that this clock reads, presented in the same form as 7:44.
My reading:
9:04
